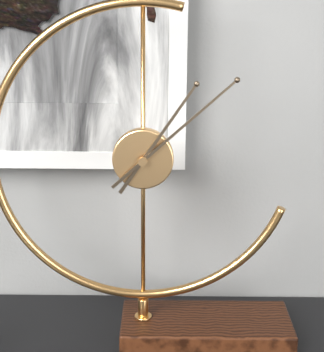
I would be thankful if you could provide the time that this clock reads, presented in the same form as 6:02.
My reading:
1:08
